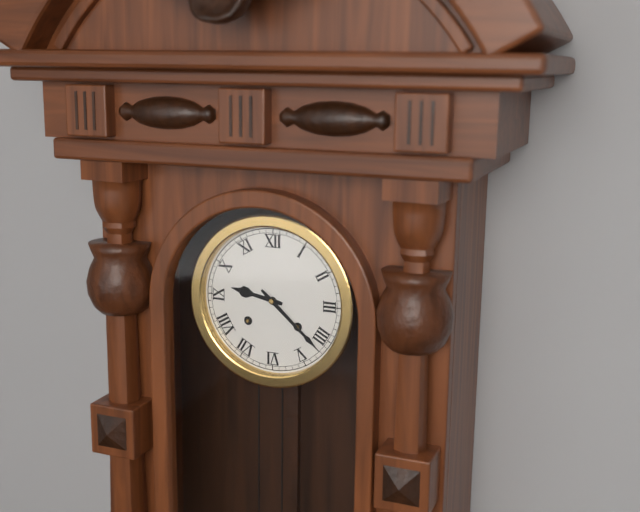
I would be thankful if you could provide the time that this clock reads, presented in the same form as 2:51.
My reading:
9:22
